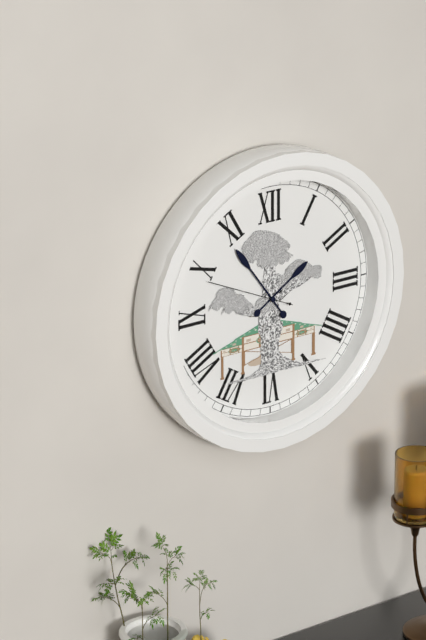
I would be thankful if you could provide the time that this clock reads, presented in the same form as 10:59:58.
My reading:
1:54:49
